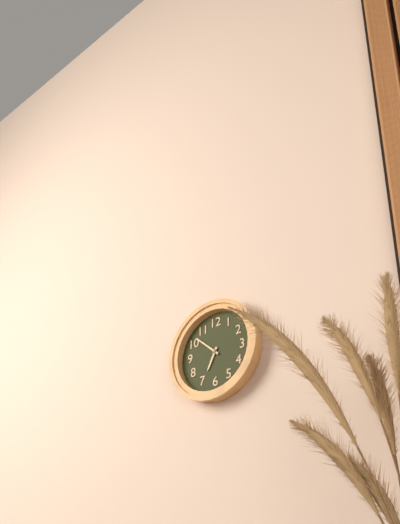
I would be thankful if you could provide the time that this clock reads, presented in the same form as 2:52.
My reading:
6:52
